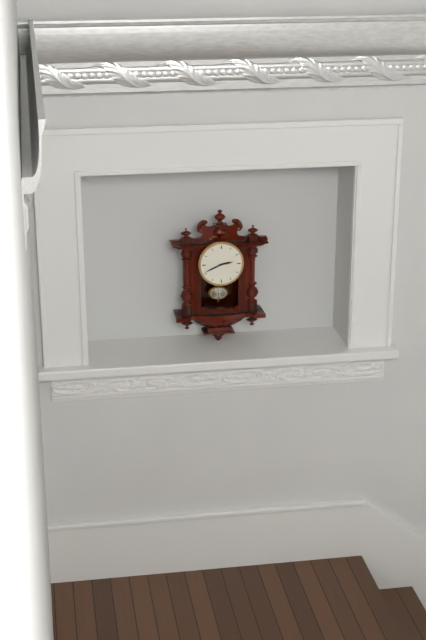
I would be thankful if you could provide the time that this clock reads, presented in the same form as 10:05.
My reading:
2:41
